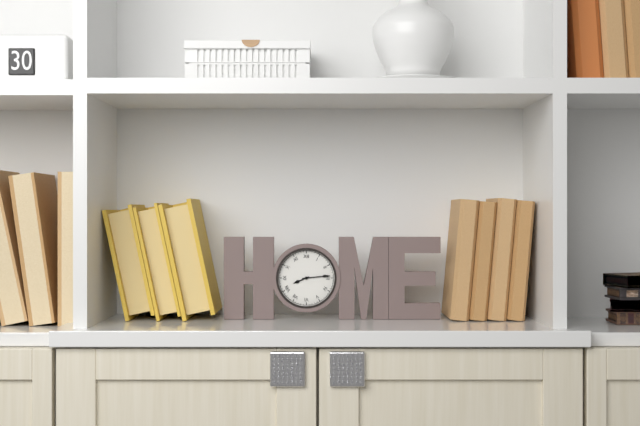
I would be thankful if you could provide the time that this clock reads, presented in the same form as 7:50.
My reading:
8:14
